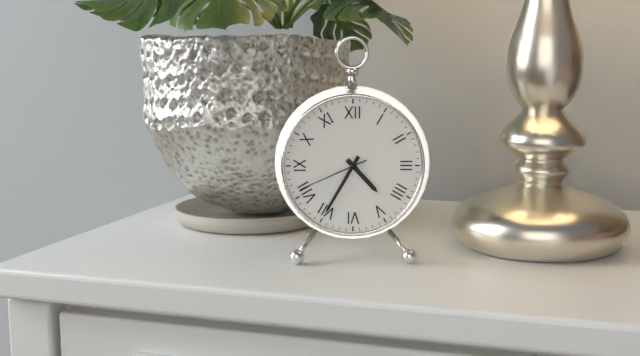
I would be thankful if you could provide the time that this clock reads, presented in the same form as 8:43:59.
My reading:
4:35:41
